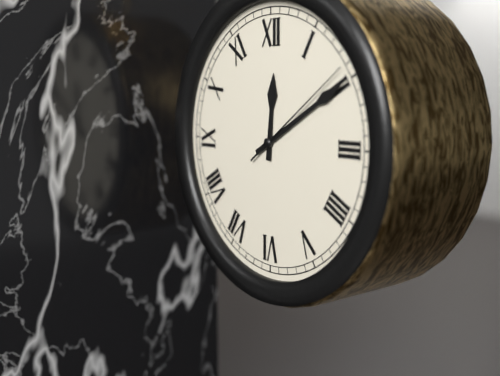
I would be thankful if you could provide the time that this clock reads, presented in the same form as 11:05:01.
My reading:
12:10:09
